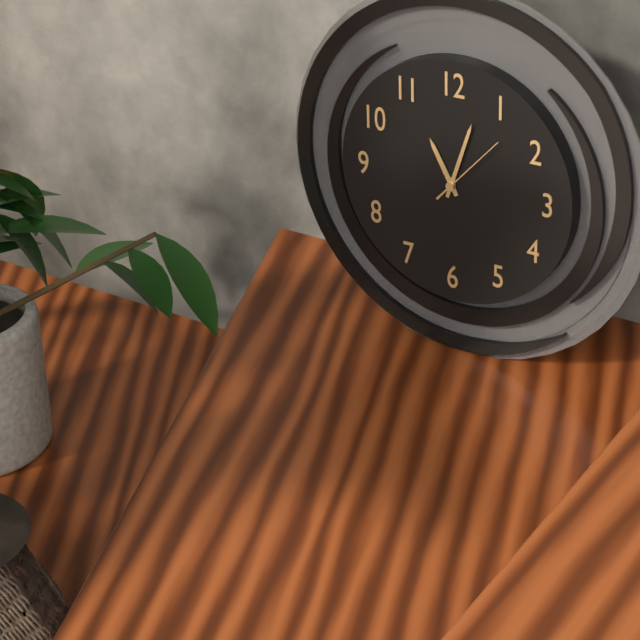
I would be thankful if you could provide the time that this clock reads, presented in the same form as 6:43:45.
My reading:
11:03:07
